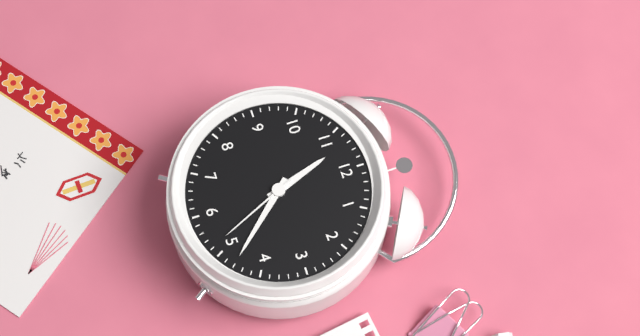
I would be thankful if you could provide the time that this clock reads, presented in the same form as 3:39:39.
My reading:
11:23:26
